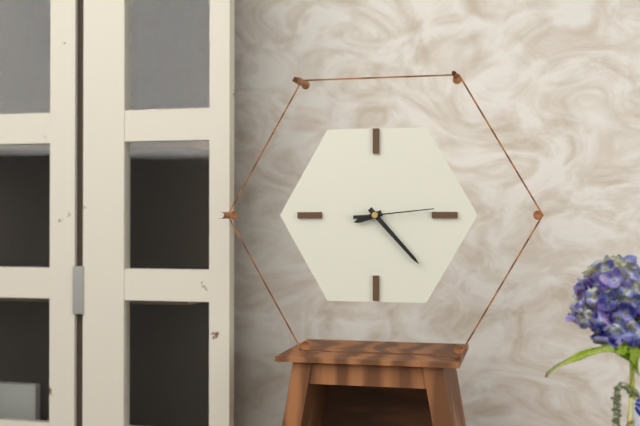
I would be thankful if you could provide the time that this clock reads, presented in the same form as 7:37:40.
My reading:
8:23:14
